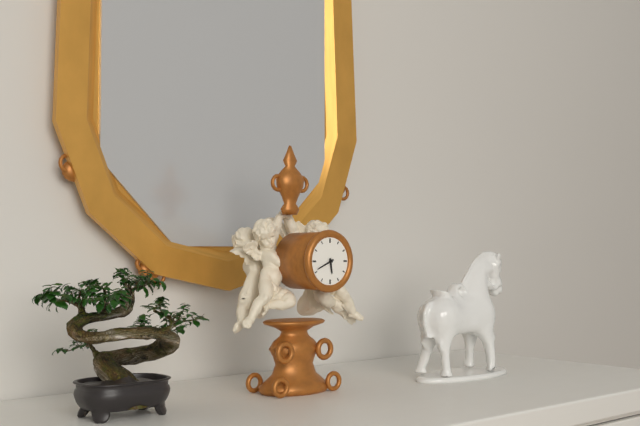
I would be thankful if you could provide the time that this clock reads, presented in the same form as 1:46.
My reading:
5:41
